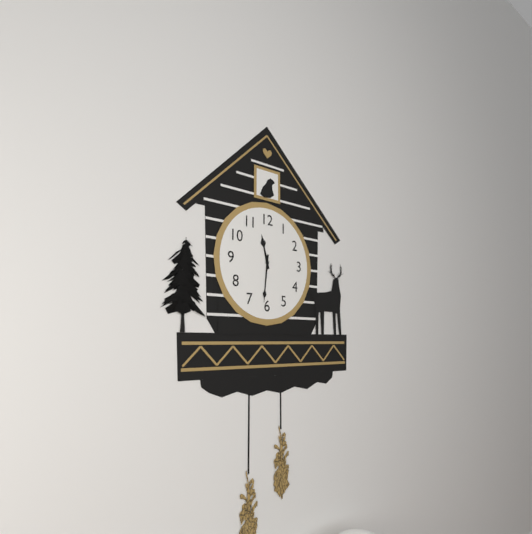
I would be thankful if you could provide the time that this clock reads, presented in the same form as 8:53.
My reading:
11:31
